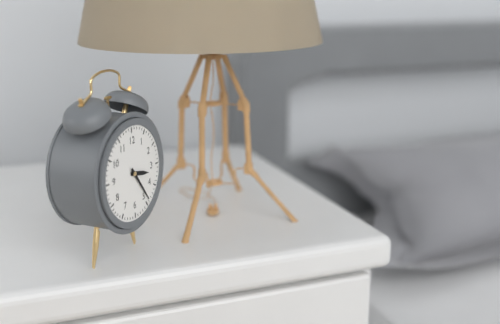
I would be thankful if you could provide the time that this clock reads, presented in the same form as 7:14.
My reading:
3:24
